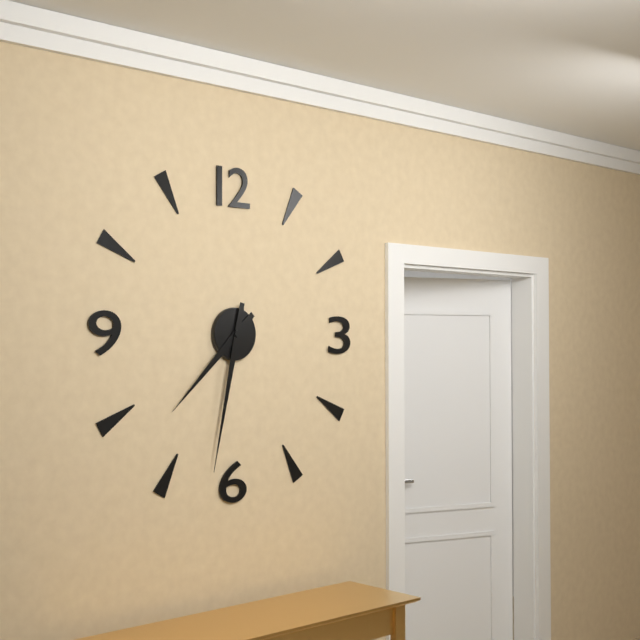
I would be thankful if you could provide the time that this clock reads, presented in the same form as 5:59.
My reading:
7:32
